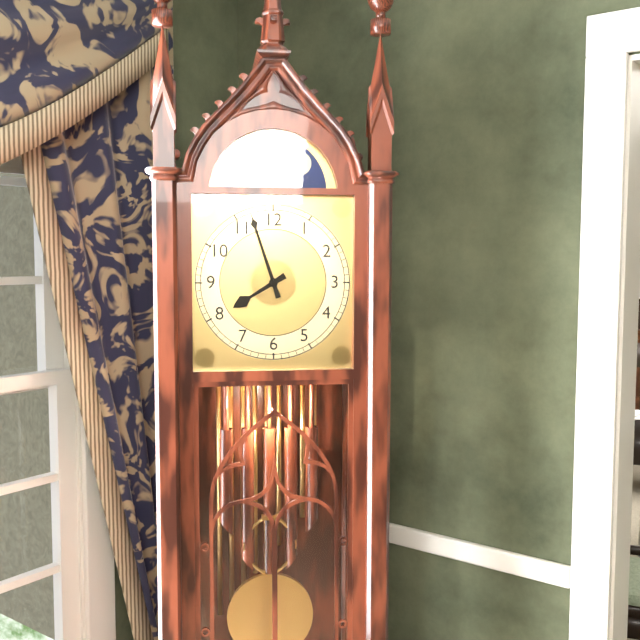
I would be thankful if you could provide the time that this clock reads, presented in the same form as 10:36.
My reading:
7:57
